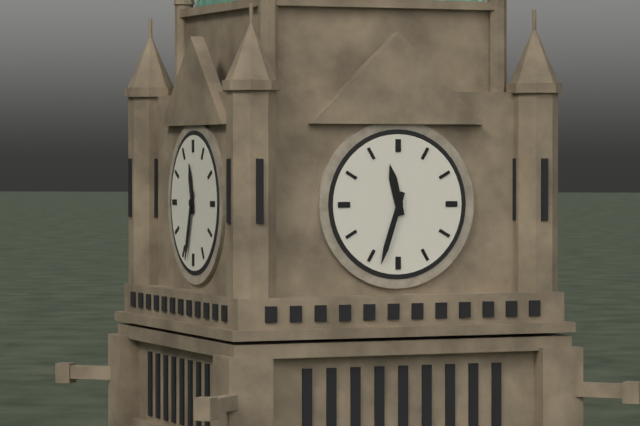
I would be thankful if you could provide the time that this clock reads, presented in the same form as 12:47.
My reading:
11:33
